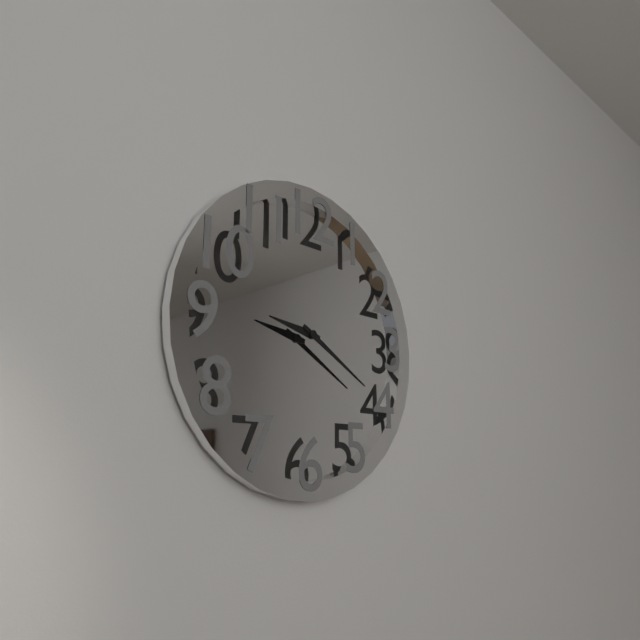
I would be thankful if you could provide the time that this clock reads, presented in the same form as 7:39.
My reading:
9:20
